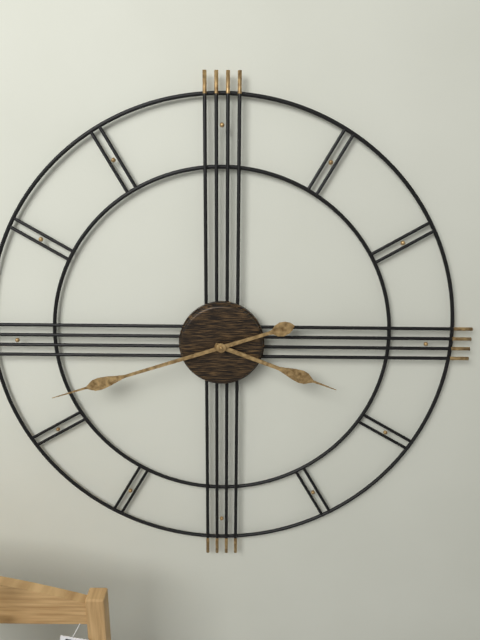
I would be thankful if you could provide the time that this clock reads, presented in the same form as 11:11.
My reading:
3:42
